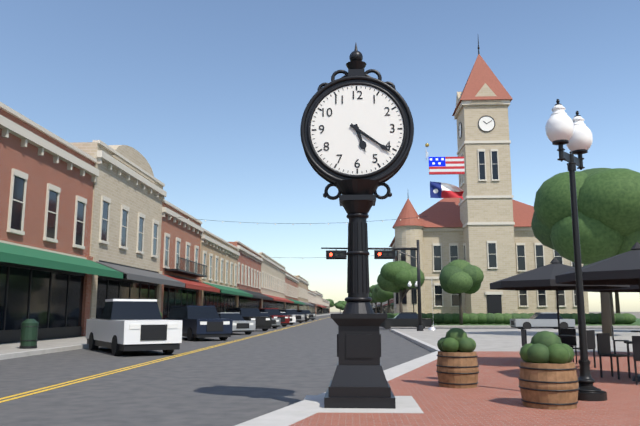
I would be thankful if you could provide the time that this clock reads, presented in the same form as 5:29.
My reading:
5:21
